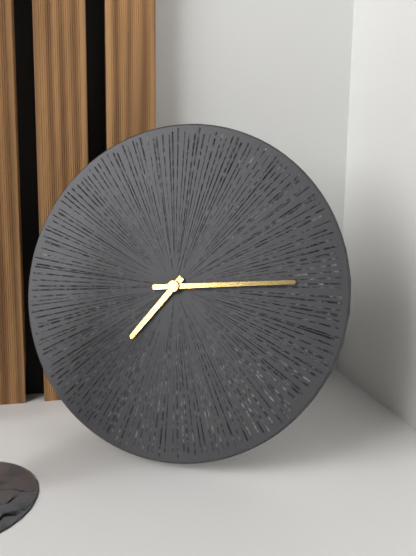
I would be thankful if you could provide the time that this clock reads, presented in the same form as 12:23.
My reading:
7:14
